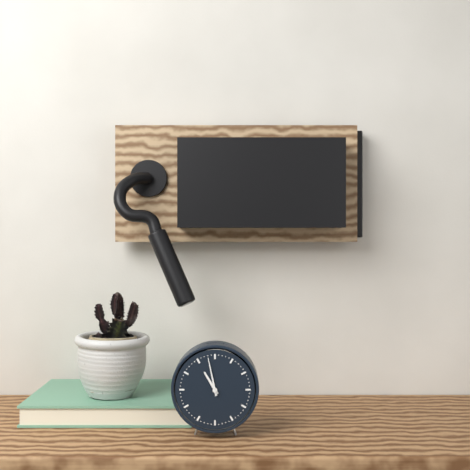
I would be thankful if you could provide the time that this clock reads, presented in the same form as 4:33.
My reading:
10:58
